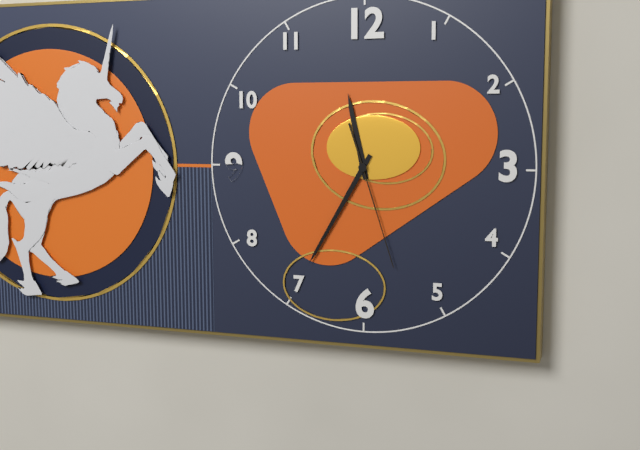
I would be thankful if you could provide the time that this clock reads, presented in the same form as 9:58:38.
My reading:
11:35:27
